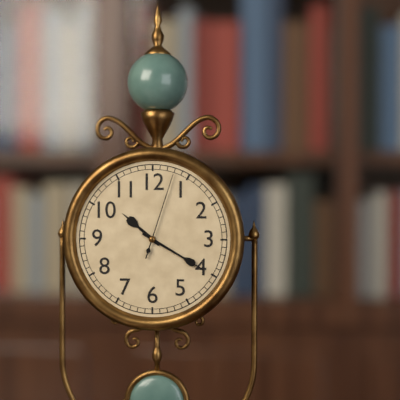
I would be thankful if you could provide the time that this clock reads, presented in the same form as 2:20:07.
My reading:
10:20:03
